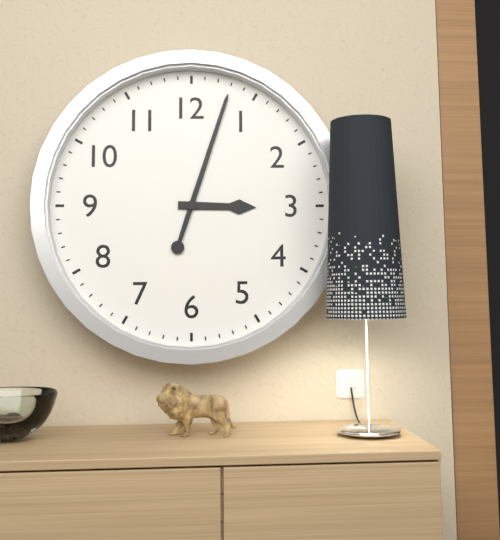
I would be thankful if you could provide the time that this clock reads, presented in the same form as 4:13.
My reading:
3:03
